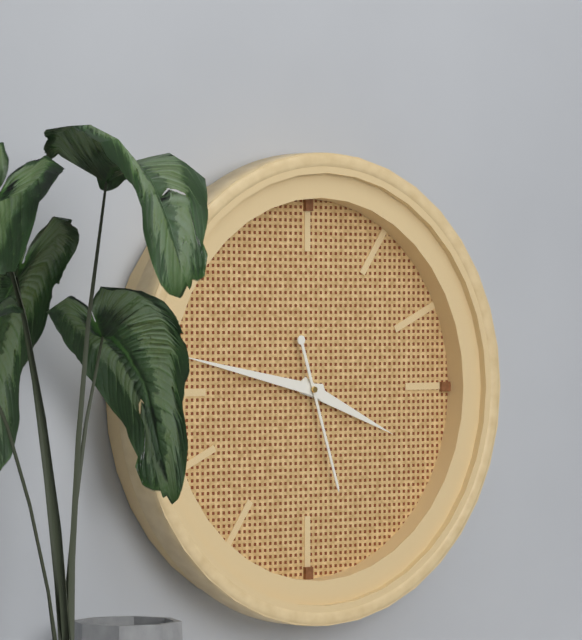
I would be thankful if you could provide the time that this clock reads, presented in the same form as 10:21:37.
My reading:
3:47:27
